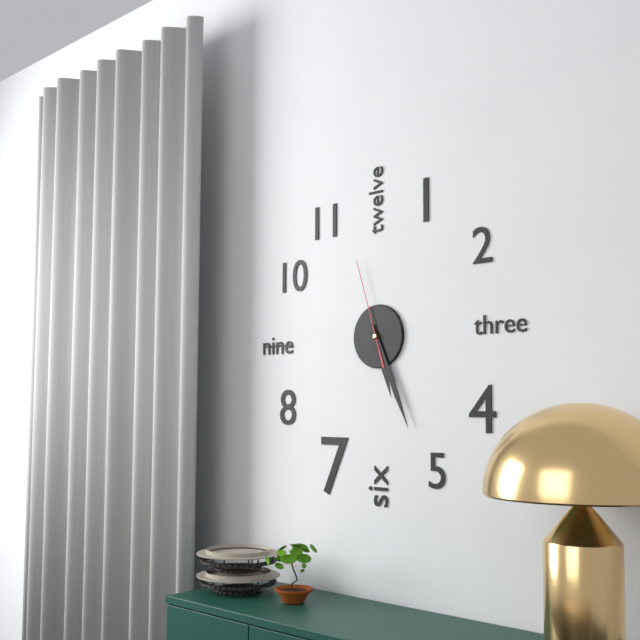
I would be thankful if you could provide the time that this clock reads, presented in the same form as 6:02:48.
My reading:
5:26:57
